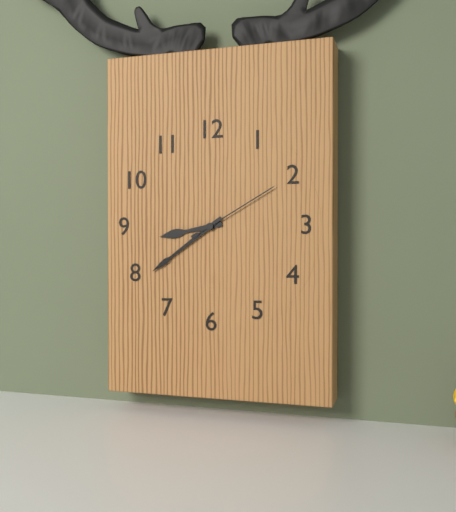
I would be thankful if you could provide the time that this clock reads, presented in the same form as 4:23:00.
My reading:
8:39:10
